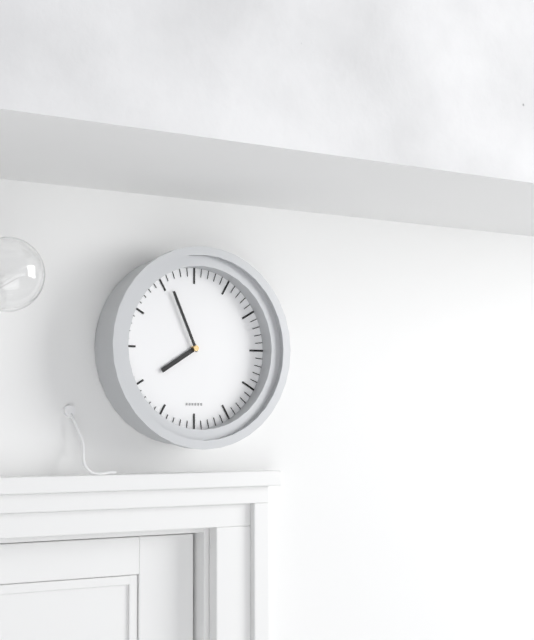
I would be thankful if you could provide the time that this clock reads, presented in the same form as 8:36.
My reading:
7:56
